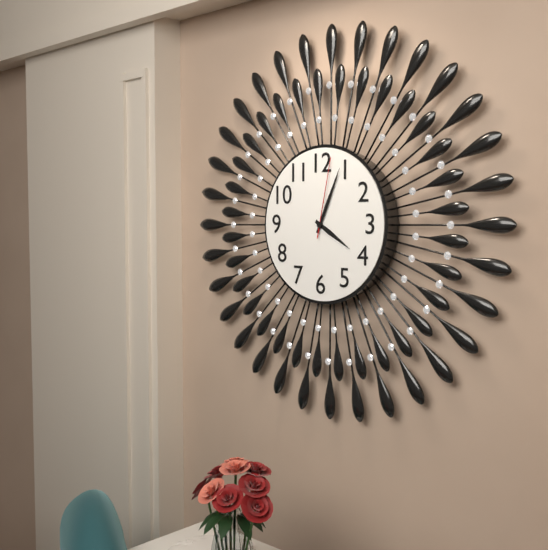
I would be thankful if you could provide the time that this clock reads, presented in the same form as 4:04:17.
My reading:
4:04:02
